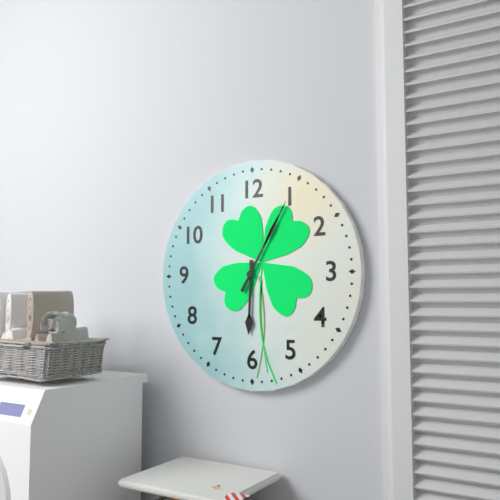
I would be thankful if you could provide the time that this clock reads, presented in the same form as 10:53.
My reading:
6:05
